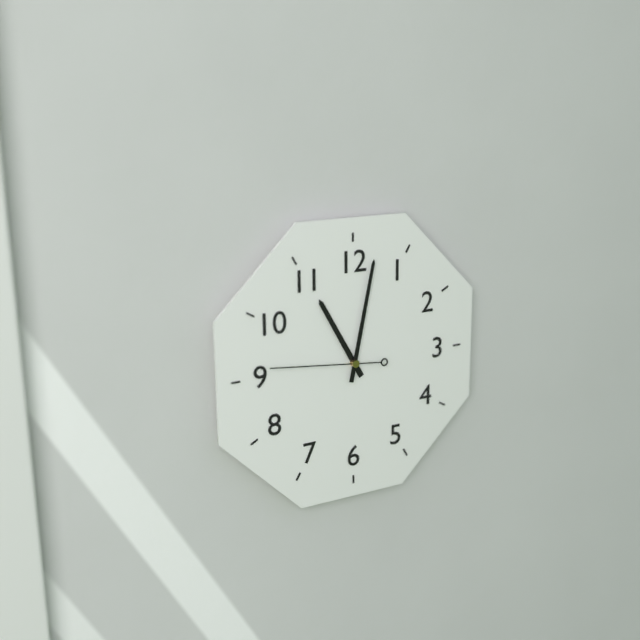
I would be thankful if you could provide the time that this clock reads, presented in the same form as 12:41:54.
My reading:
11:02:46
